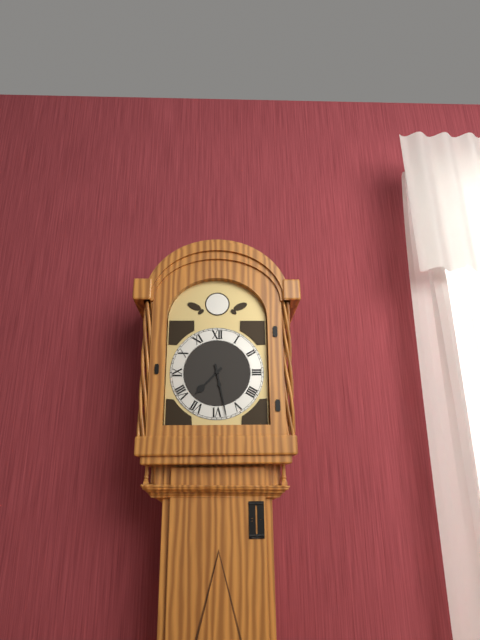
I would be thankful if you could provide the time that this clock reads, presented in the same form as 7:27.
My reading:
7:28
